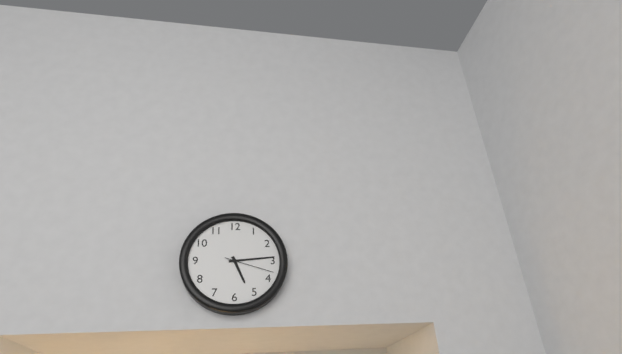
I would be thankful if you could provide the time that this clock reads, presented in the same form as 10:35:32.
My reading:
5:14:18
